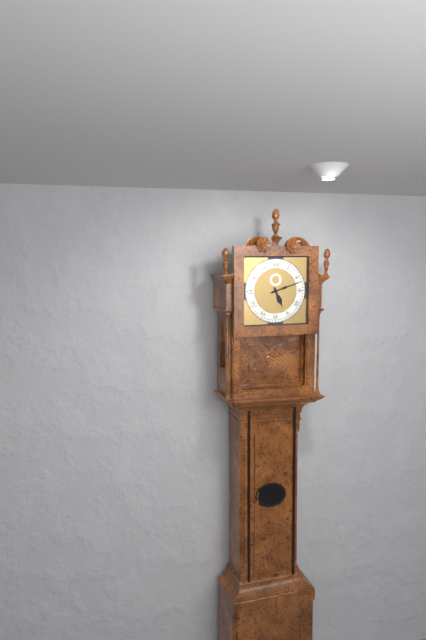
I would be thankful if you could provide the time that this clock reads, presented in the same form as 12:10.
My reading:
5:12
